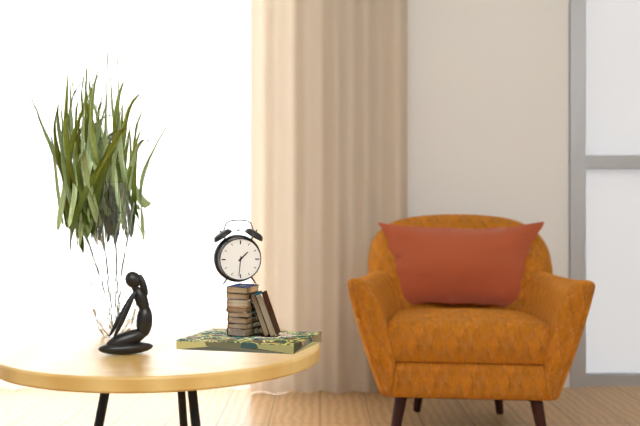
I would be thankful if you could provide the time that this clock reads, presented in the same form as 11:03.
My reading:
1:31
